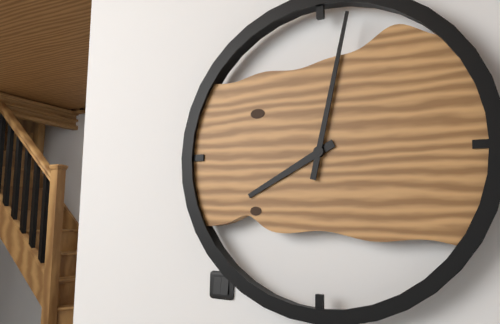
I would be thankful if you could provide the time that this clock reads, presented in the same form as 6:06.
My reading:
8:02
